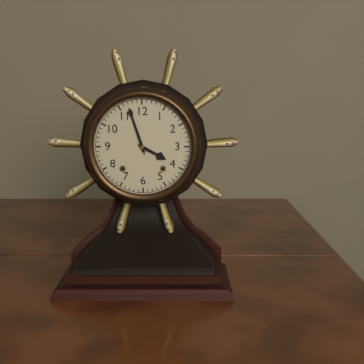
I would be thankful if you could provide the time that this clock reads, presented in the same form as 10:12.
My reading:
3:57
